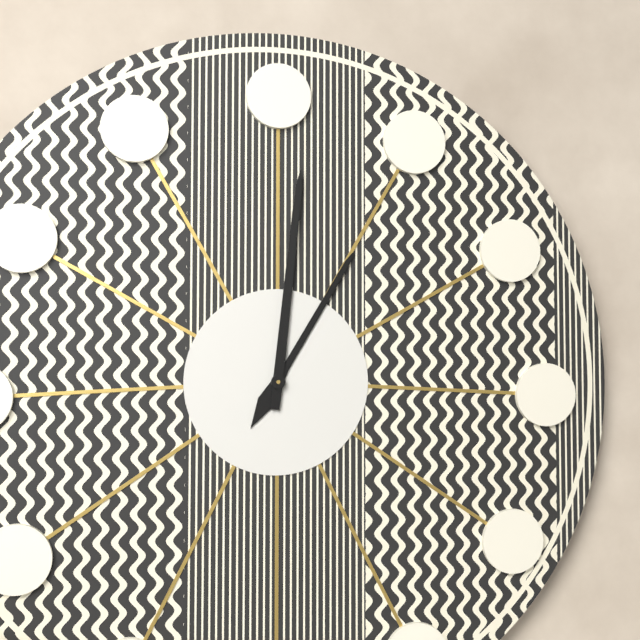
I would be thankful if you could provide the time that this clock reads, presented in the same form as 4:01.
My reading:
1:01
